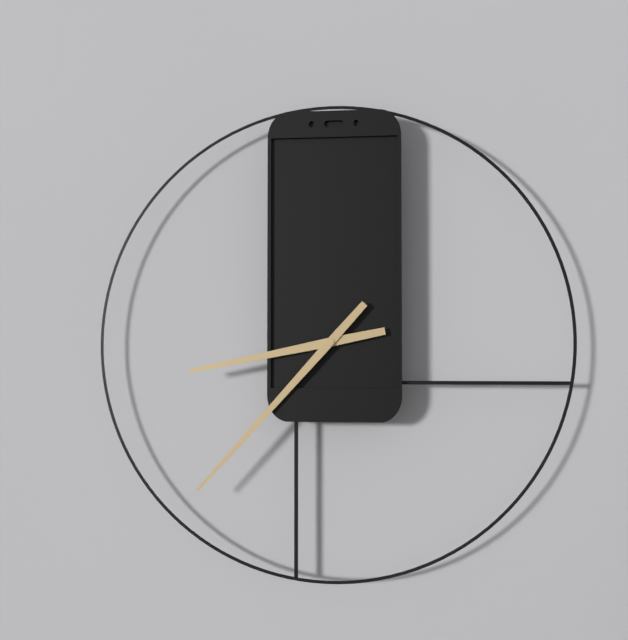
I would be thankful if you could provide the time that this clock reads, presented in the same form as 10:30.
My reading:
8:37
